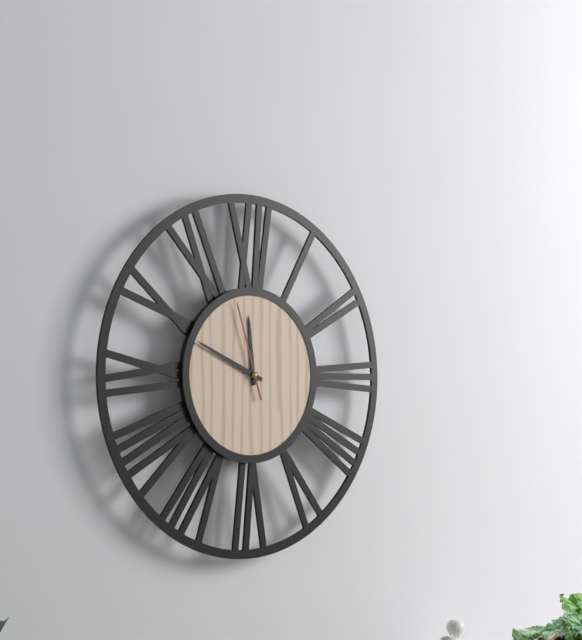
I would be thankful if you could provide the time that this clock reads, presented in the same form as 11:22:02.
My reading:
11:49:57
